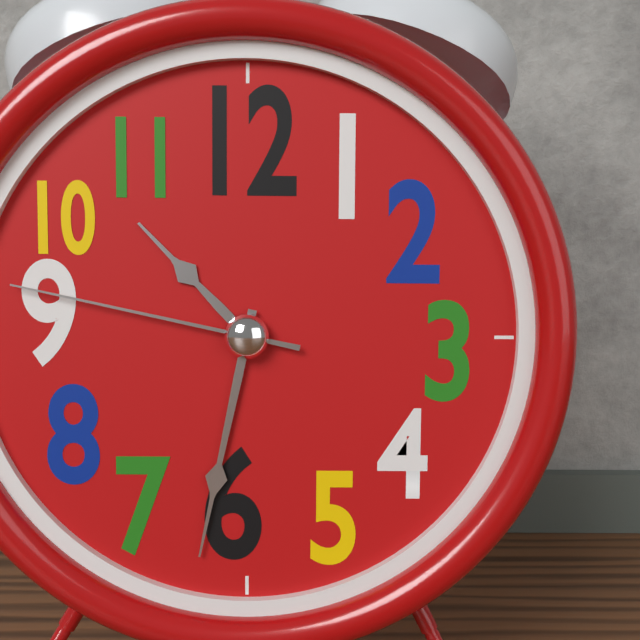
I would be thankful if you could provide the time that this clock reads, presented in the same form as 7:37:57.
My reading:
10:32:47
